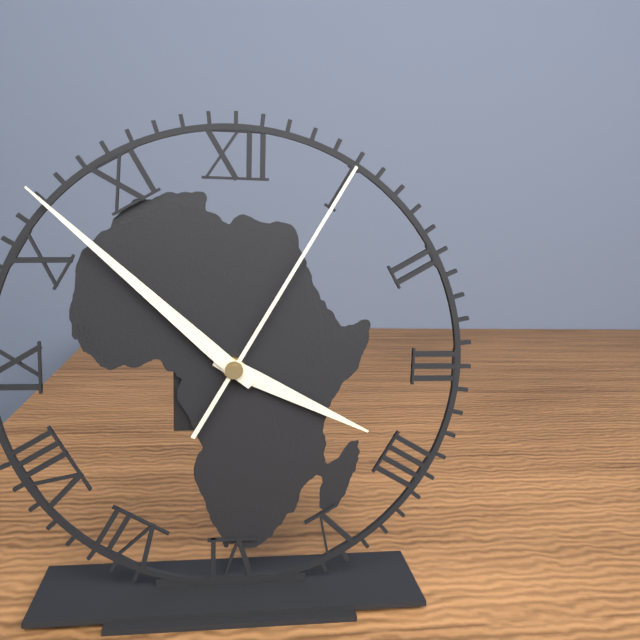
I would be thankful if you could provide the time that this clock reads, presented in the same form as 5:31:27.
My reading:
3:52:05
